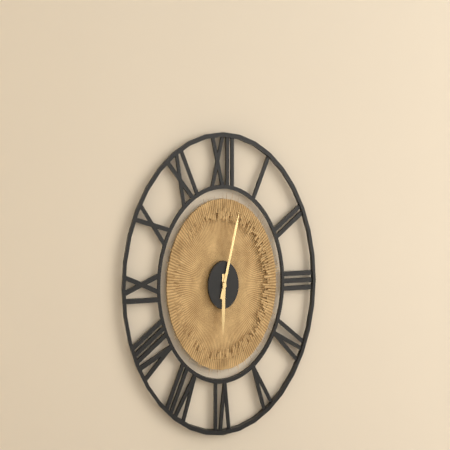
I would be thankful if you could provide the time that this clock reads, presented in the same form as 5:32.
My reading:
6:03
